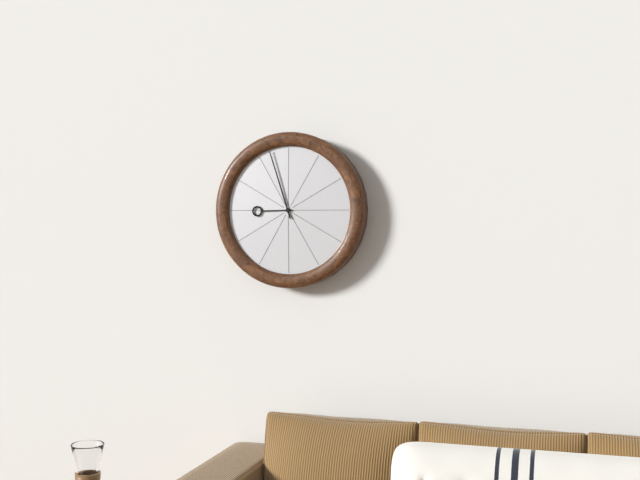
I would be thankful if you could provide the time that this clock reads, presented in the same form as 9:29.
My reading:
8:57
